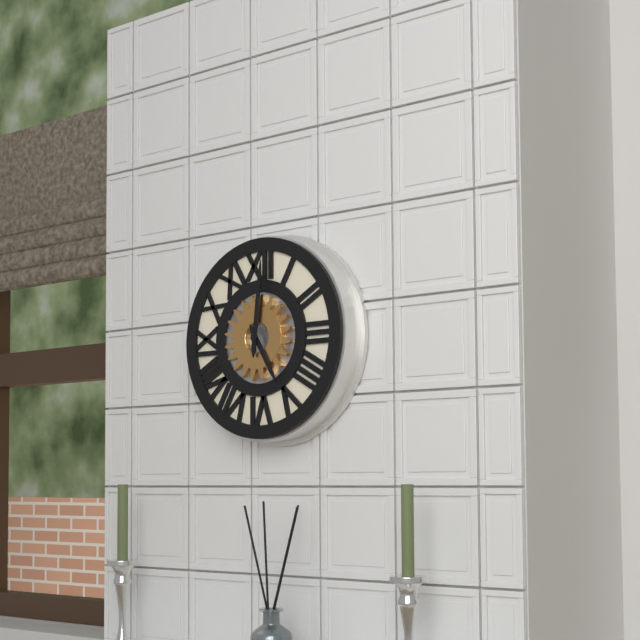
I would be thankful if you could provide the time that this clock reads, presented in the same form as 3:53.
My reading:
5:01
